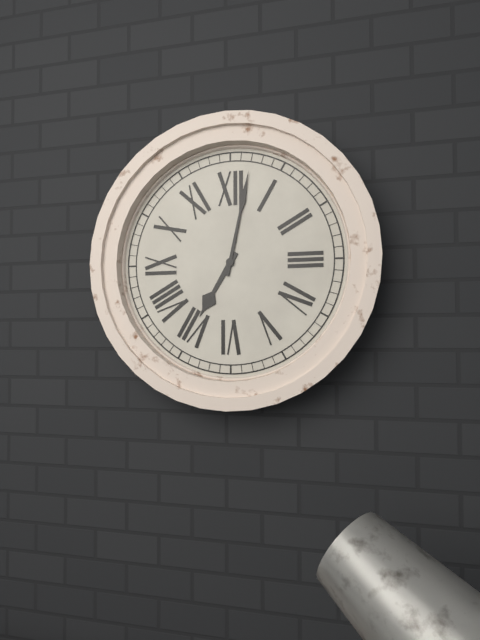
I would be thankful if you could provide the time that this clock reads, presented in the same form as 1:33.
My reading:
7:02
